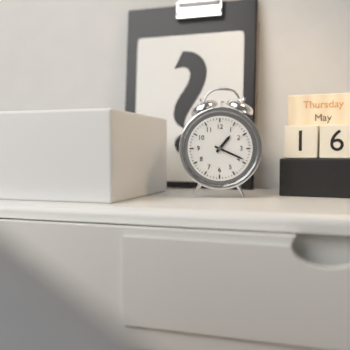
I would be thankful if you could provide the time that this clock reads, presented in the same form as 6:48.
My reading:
1:19
